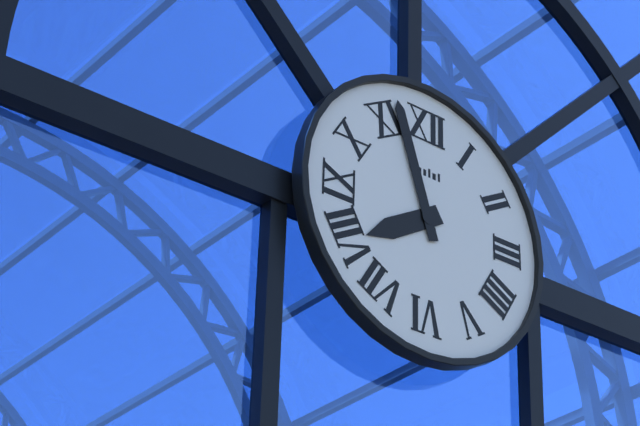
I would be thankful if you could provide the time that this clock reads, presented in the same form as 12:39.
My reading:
7:57
